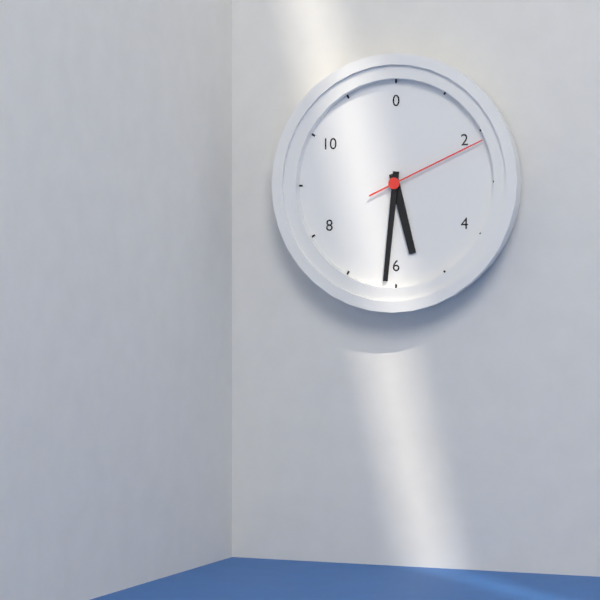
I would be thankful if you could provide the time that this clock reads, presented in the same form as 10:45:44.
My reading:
5:31:11
